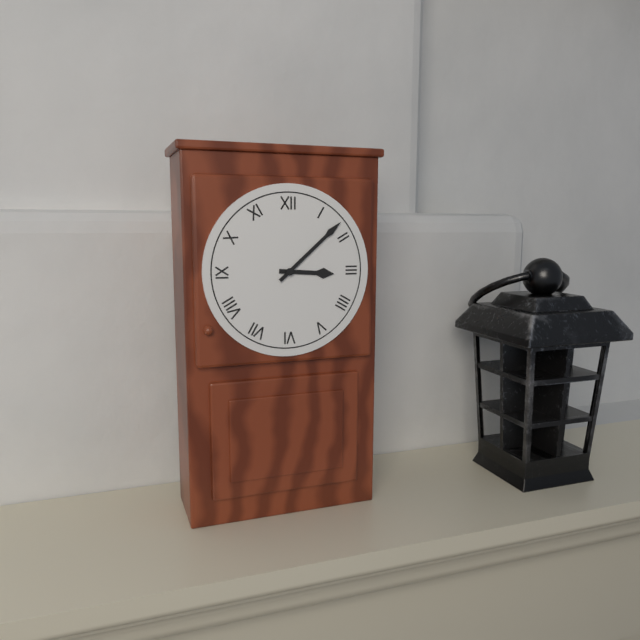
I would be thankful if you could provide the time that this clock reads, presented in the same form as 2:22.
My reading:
3:08
